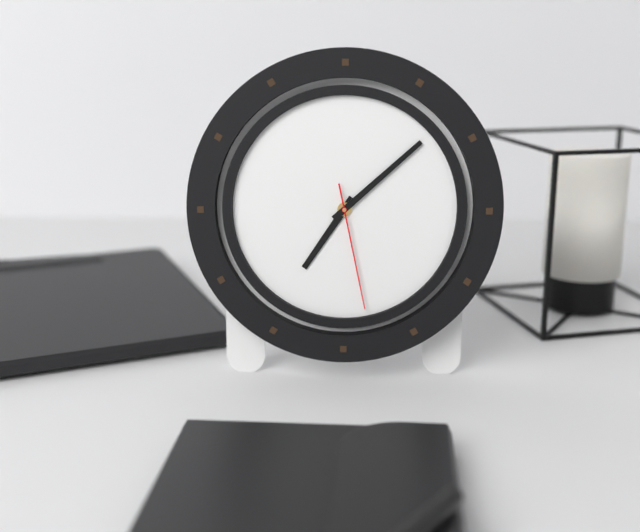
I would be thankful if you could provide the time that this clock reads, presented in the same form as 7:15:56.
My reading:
7:08:28
